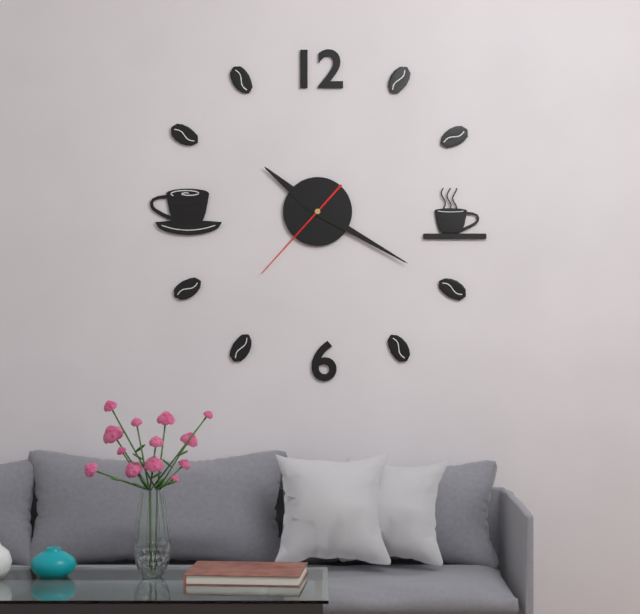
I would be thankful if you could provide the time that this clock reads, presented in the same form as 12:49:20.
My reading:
10:20:37
